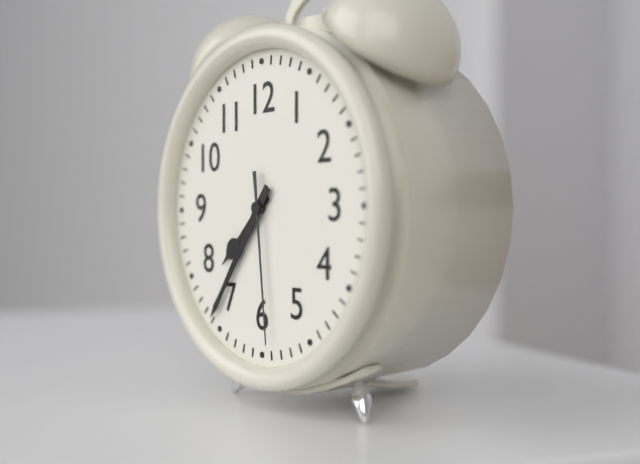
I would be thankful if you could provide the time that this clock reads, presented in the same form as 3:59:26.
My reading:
7:36:29
